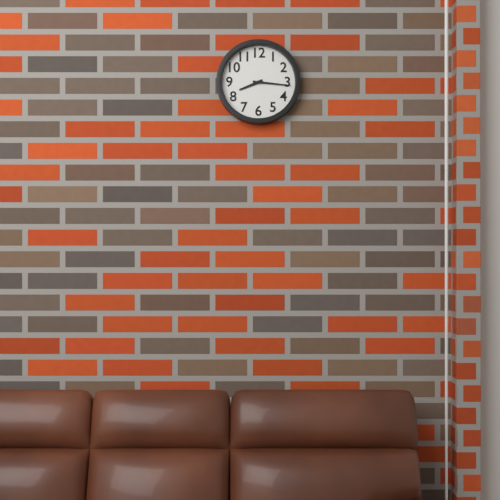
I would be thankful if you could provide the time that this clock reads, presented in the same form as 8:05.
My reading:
8:16
